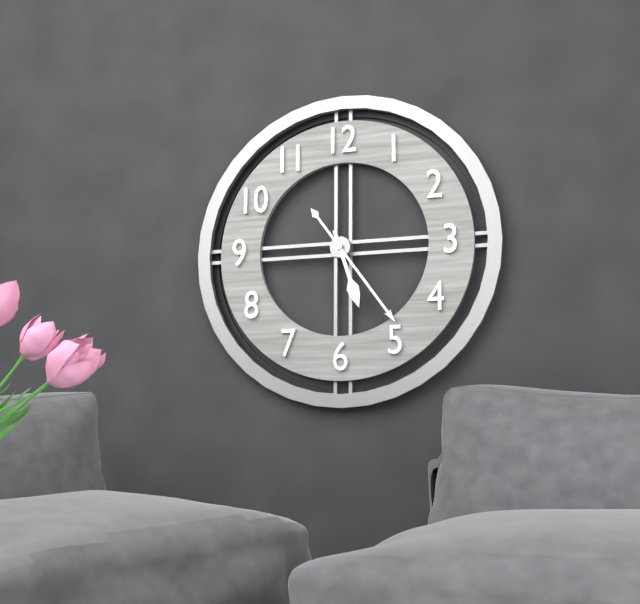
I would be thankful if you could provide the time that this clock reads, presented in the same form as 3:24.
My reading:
5:24
